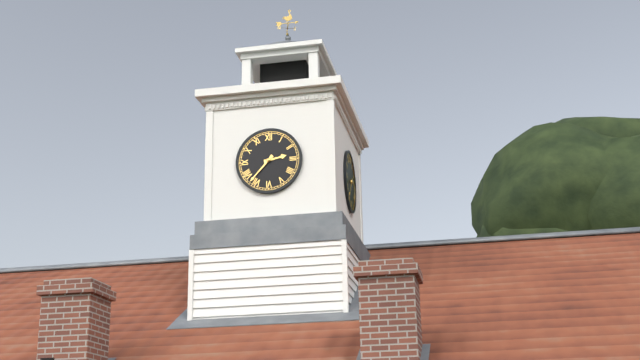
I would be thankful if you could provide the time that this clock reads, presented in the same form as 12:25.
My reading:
2:37
